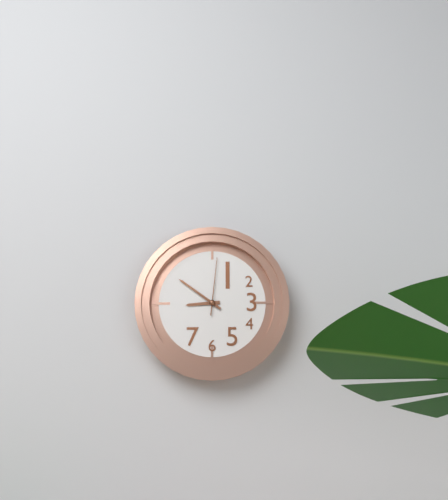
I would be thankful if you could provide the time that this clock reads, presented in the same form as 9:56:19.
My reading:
8:51:01
